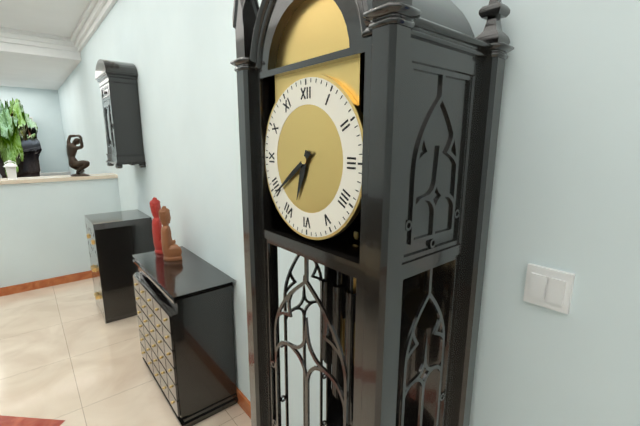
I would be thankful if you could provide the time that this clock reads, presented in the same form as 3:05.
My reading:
6:39
